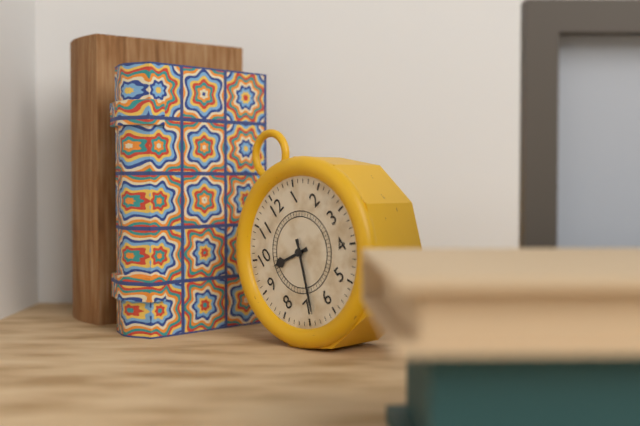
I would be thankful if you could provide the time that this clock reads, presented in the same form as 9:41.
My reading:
9:34
